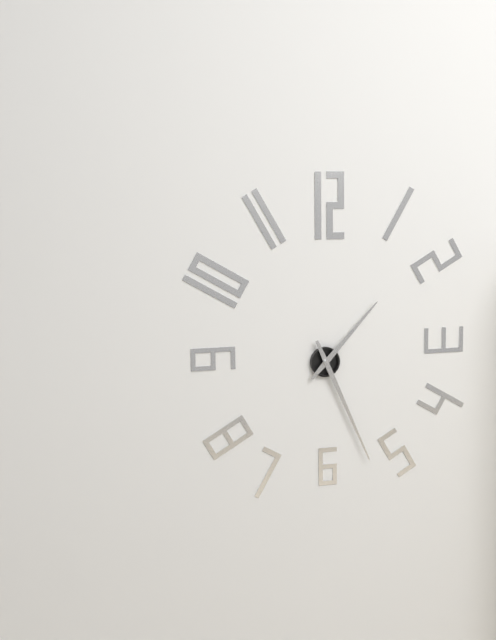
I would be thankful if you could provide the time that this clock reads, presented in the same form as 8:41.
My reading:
1:26
